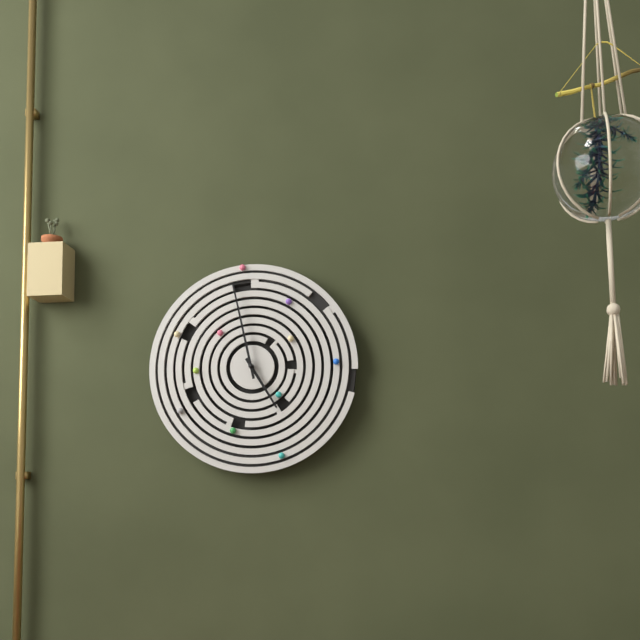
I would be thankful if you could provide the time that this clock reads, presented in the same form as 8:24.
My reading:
4:58
